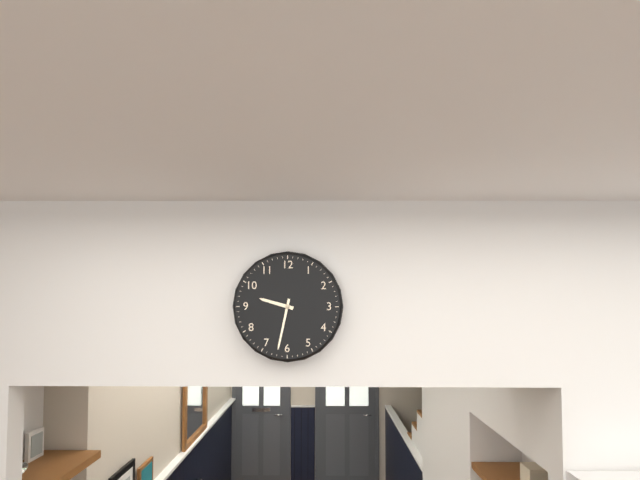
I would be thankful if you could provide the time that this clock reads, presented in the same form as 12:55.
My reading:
9:32
